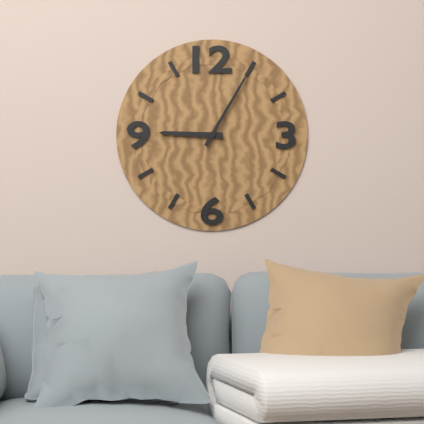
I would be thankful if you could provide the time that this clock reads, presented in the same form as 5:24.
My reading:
9:05
